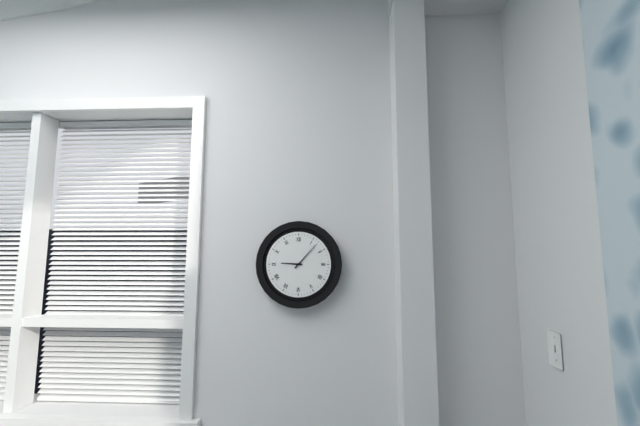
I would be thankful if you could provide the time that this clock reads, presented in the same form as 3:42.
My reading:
9:07
